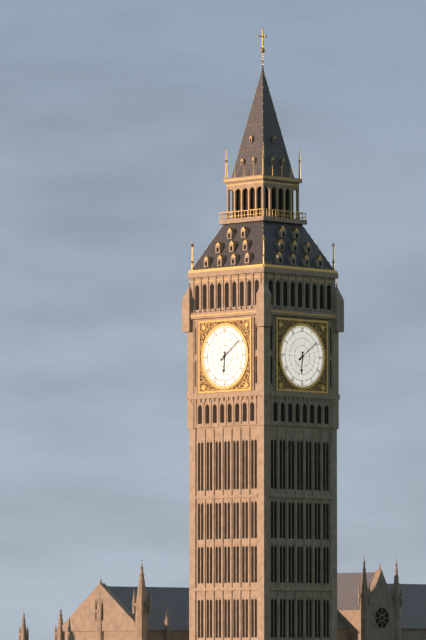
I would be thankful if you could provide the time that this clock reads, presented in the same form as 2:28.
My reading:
6:09
